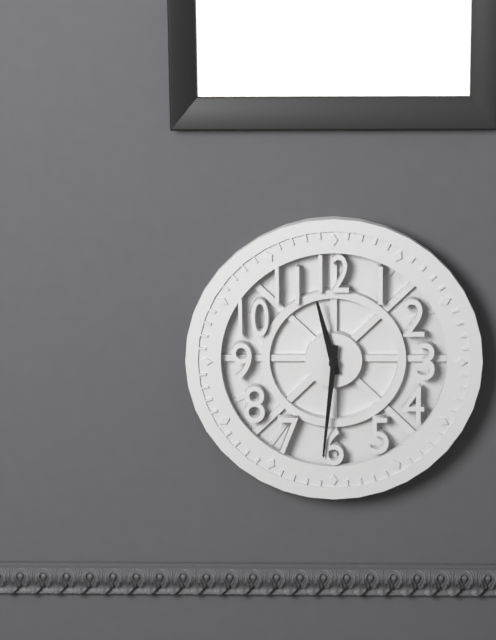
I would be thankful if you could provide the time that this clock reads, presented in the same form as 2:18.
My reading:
11:31
